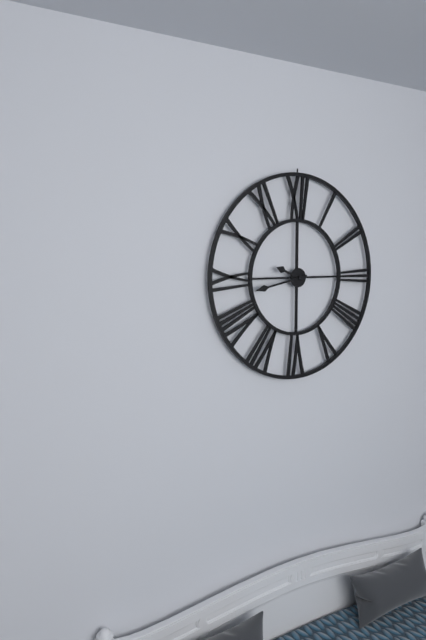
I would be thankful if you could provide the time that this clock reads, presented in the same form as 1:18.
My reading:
9:43
